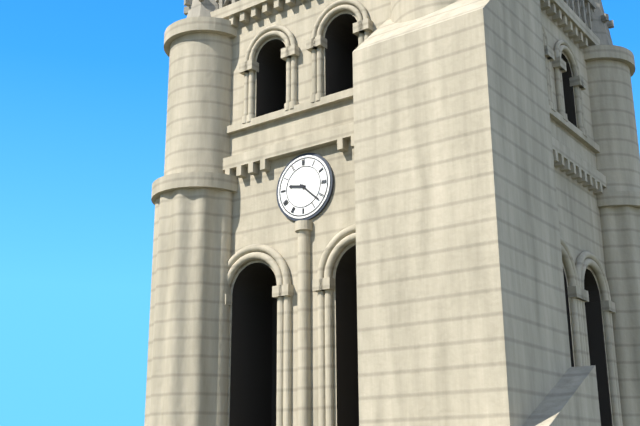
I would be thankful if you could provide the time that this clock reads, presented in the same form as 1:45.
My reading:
9:22
